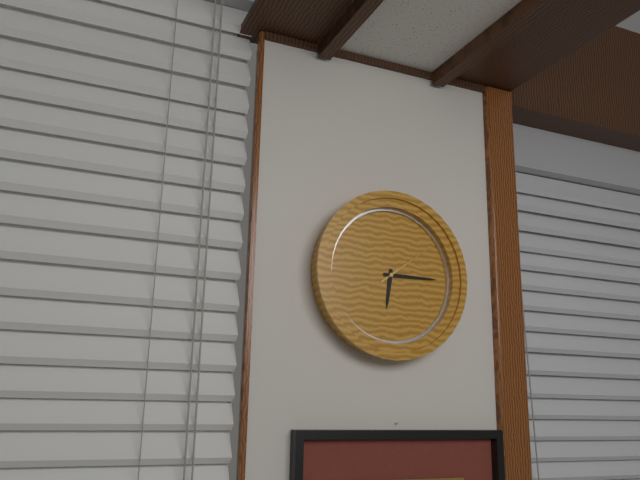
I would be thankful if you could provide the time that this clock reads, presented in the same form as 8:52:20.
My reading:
6:15:09
